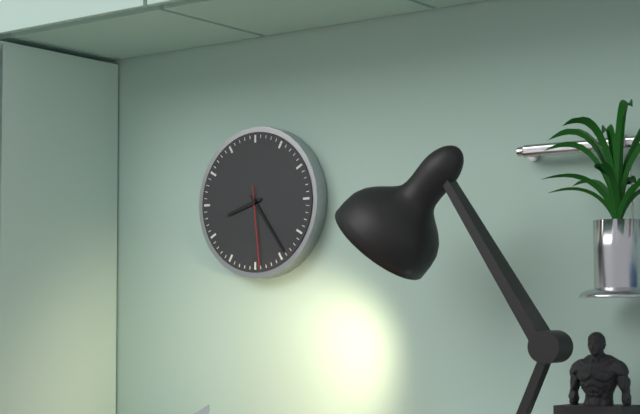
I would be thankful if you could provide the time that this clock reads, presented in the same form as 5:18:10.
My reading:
8:24:29
